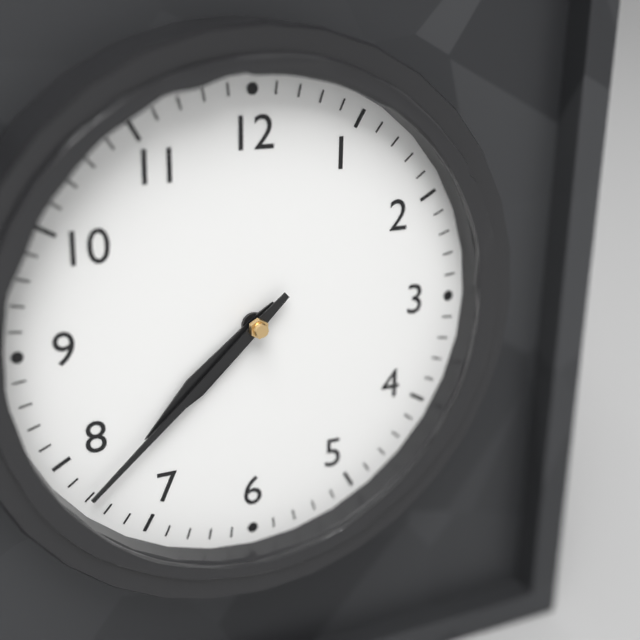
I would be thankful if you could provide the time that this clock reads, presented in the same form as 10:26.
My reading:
7:38
